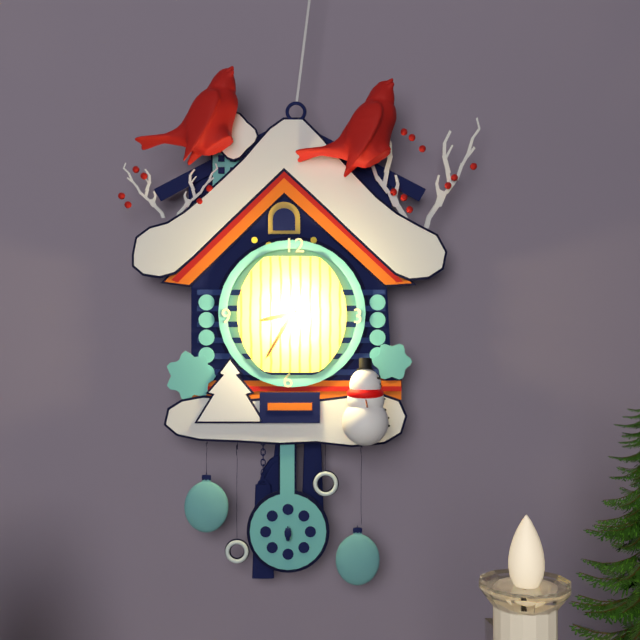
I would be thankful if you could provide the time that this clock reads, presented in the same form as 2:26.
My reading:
8:35
